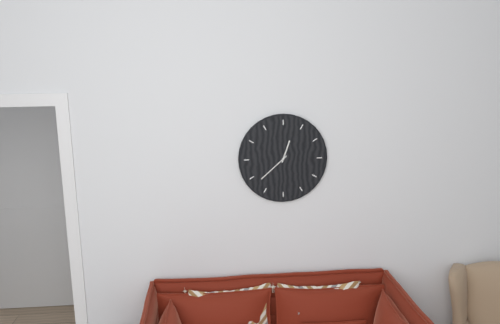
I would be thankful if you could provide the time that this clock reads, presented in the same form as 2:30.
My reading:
12:38
